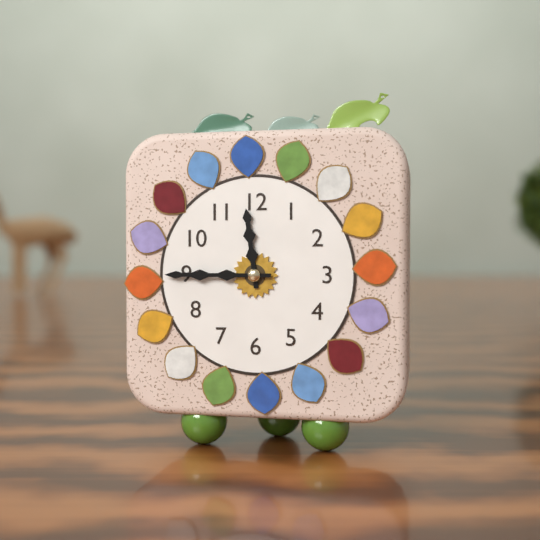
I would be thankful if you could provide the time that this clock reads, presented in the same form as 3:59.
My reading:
11:45
